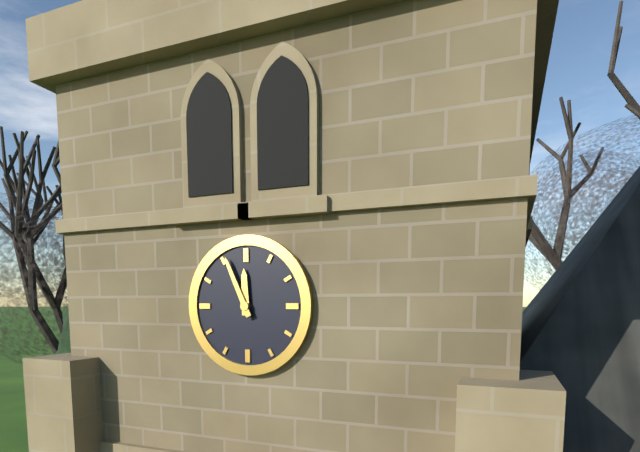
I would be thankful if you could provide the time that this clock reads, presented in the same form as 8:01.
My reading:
11:56
